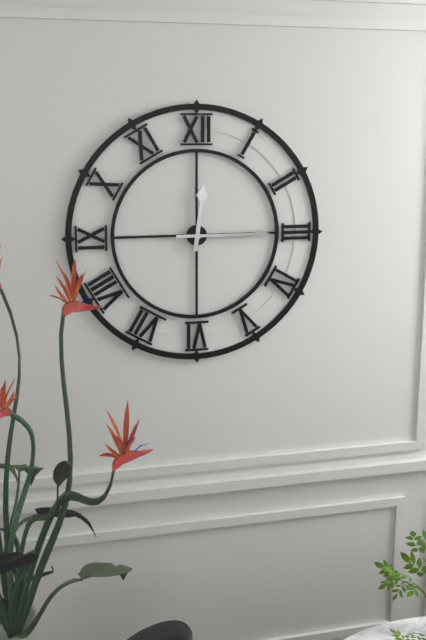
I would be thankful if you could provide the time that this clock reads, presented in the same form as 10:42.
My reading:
12:15
